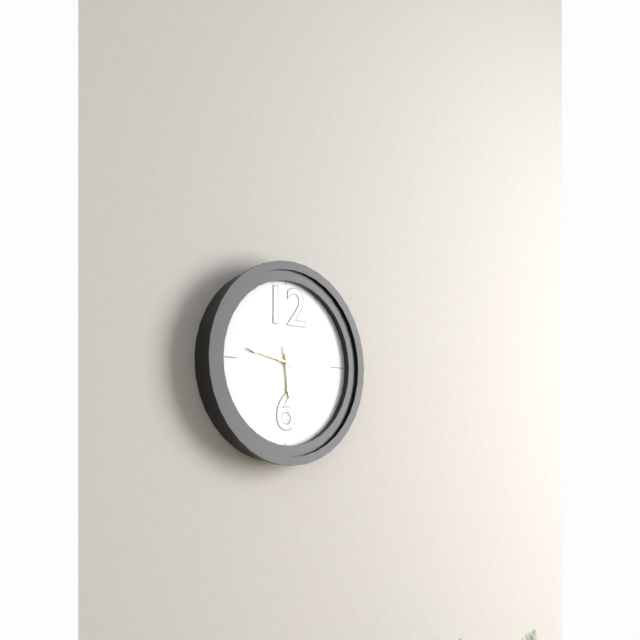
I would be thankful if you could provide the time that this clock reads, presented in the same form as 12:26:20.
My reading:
5:47:29
